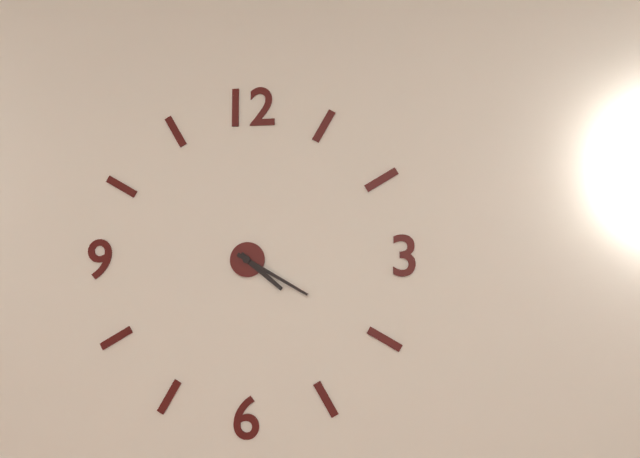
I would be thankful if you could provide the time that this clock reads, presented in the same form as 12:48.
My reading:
4:20
